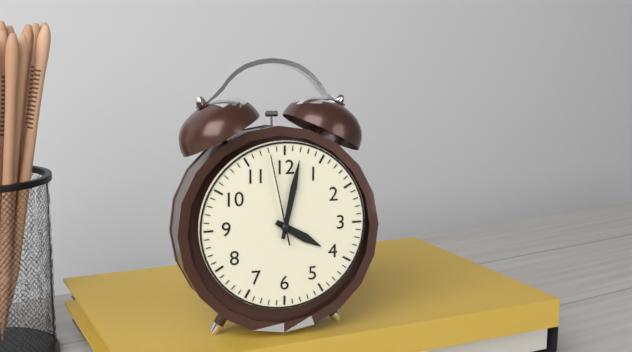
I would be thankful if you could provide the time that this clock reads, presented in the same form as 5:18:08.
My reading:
4:02:58
